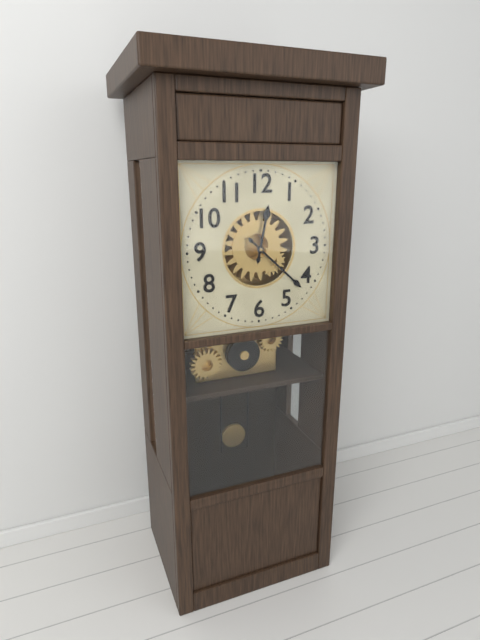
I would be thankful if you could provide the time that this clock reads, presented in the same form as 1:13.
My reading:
12:22
